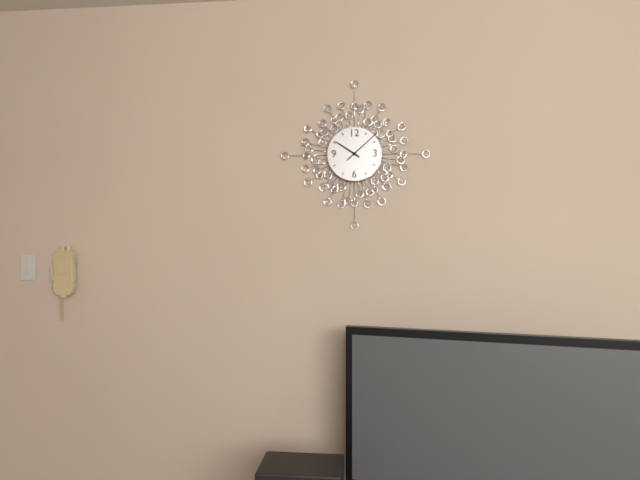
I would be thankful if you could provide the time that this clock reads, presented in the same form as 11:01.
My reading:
10:08
